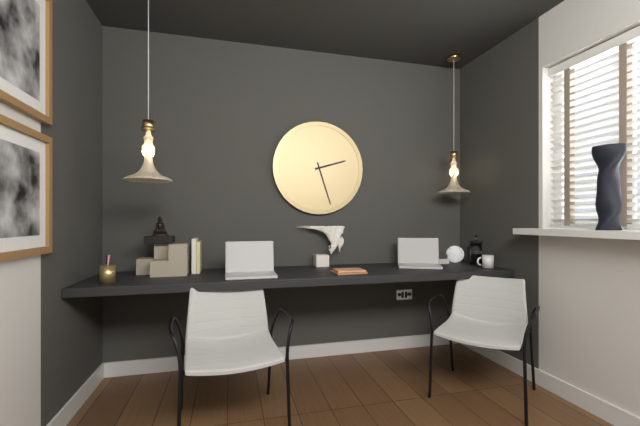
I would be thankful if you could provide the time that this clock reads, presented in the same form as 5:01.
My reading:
2:27
